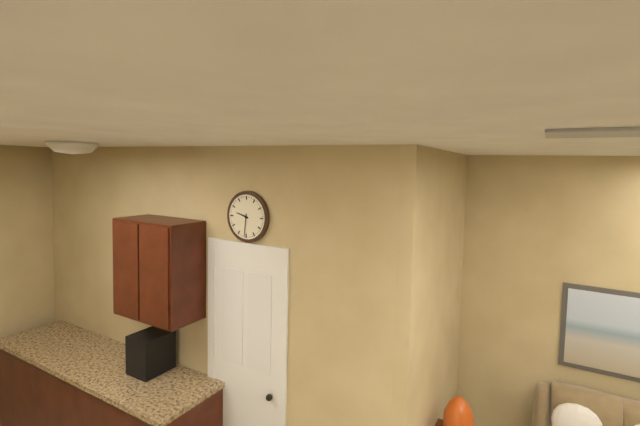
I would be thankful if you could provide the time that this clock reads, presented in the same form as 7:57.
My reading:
9:31
